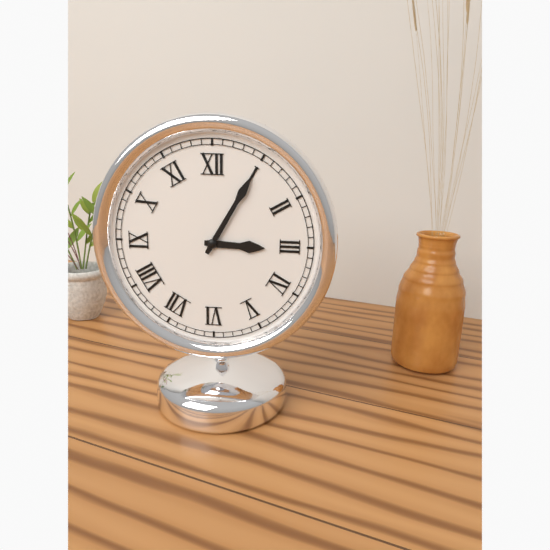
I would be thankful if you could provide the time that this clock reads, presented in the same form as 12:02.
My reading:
3:05
